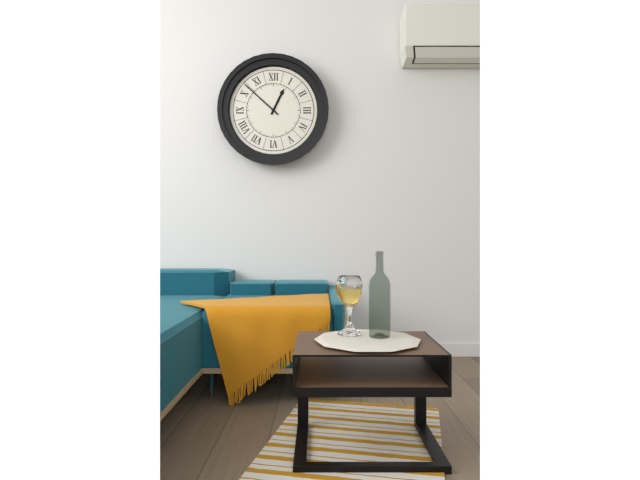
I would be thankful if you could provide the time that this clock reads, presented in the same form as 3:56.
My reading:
12:52
